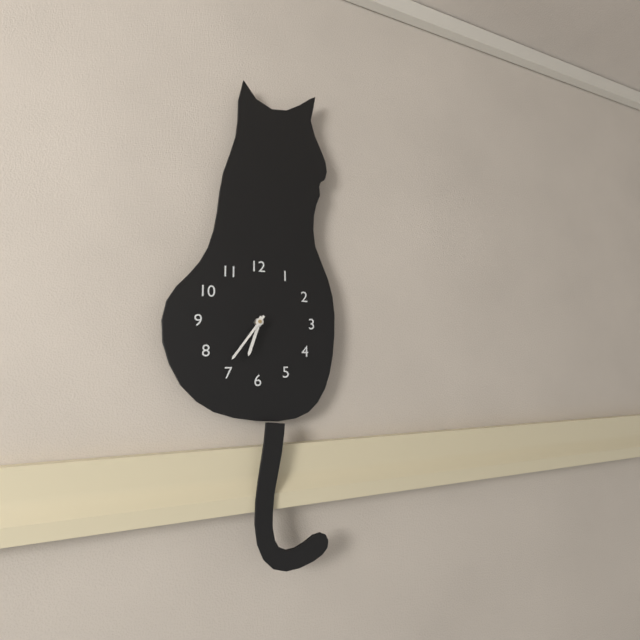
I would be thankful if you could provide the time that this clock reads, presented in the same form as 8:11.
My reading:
6:36
